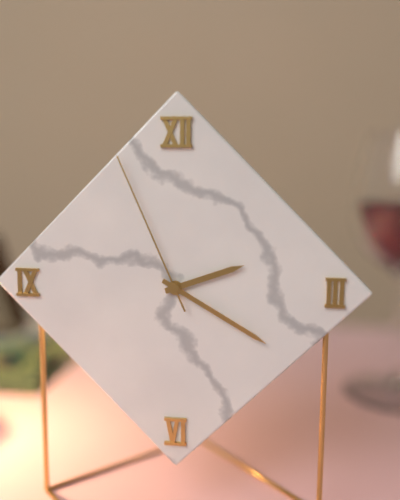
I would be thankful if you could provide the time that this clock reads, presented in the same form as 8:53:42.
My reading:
2:20:56
